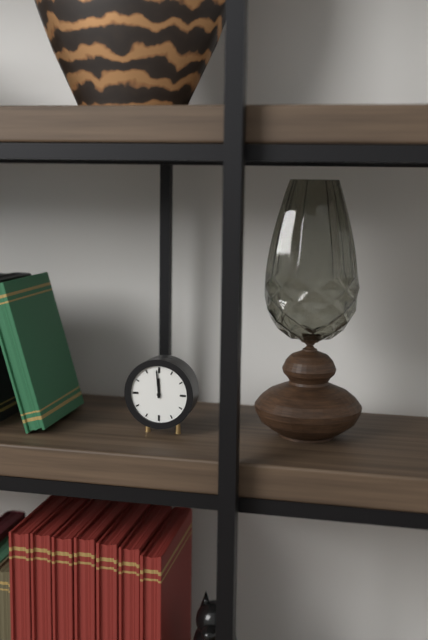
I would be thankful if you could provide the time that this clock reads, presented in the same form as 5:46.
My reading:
11:59
